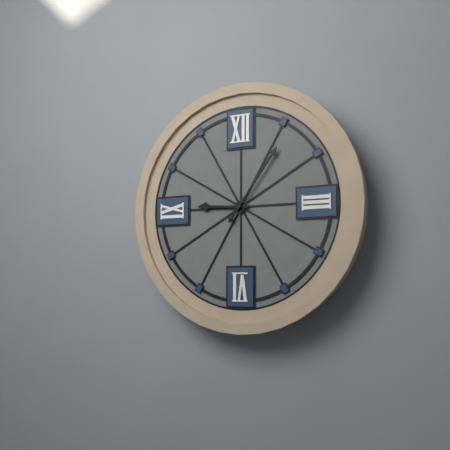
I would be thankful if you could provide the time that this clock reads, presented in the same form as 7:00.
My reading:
9:06
